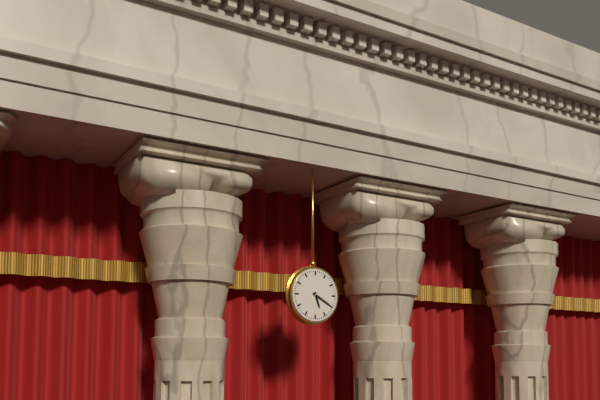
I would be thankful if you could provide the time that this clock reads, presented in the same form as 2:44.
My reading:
5:20
